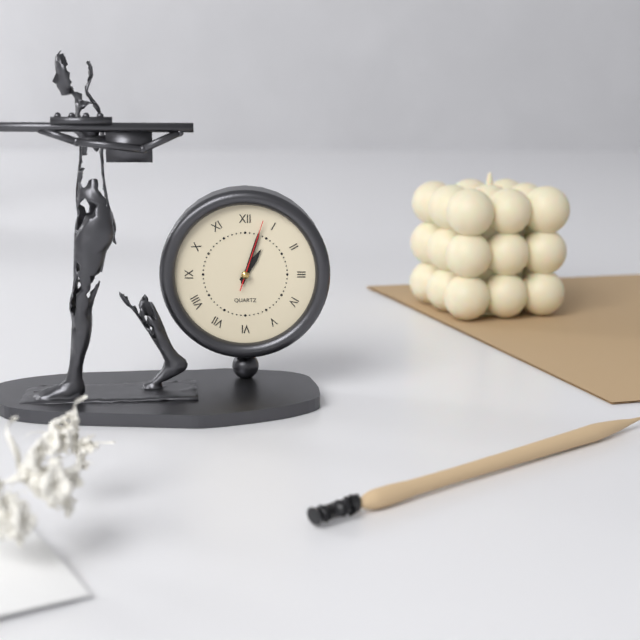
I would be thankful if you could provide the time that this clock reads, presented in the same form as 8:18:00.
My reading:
1:03:03
